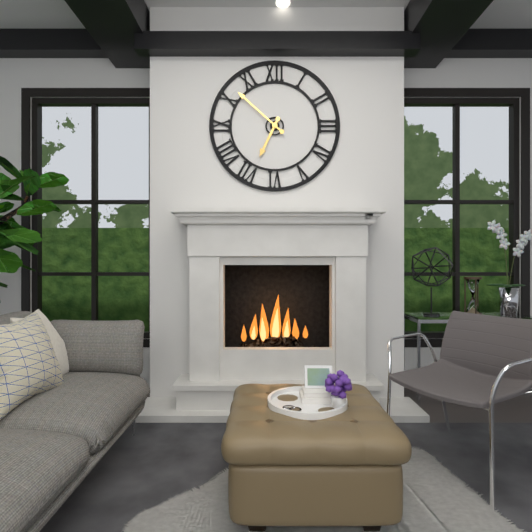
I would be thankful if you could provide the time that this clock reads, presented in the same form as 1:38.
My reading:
6:52
